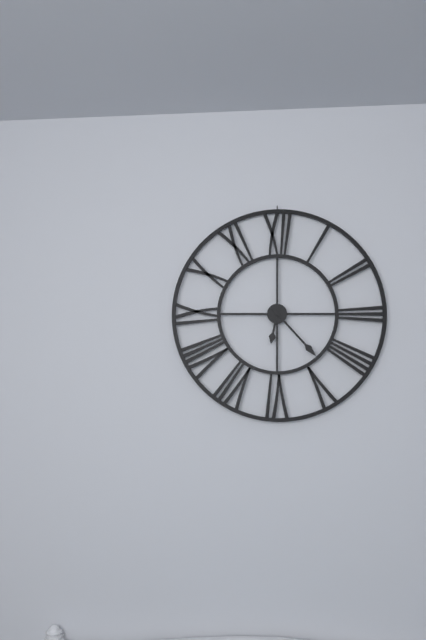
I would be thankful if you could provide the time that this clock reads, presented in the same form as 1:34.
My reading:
6:23
